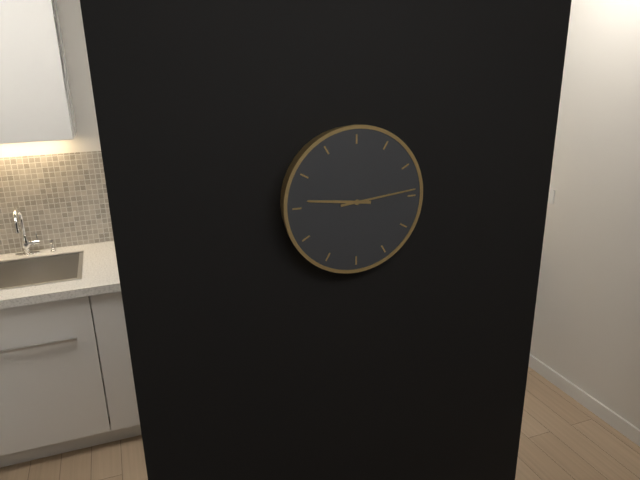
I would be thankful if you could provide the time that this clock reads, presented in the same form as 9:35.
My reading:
9:14
